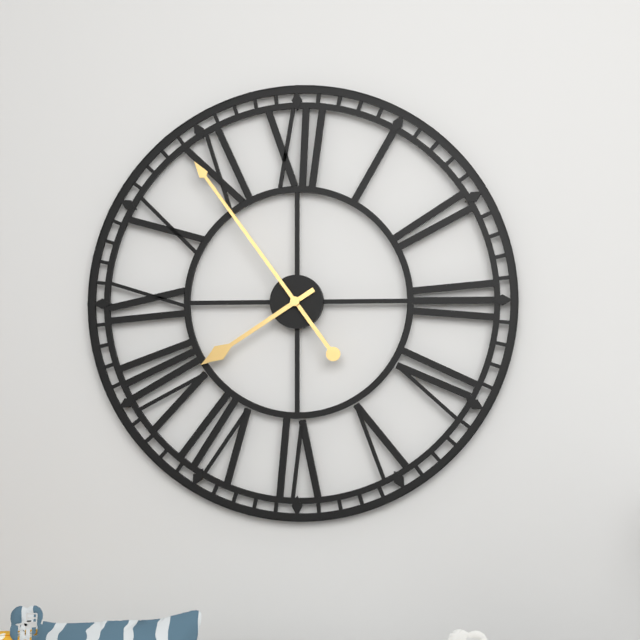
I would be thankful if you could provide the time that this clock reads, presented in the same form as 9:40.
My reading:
7:54
